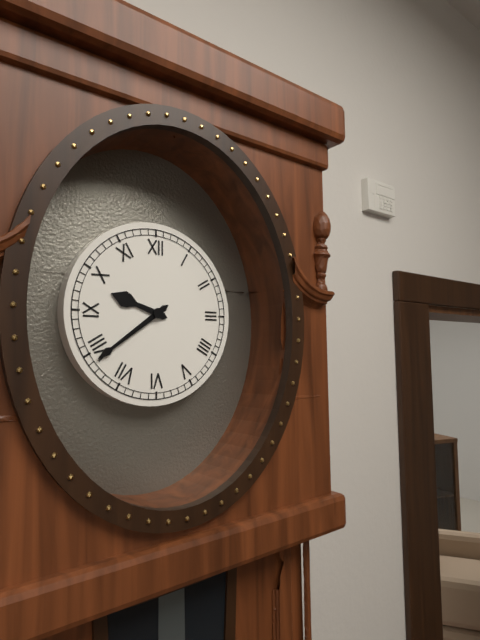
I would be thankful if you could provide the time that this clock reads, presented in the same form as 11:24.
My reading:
9:39
